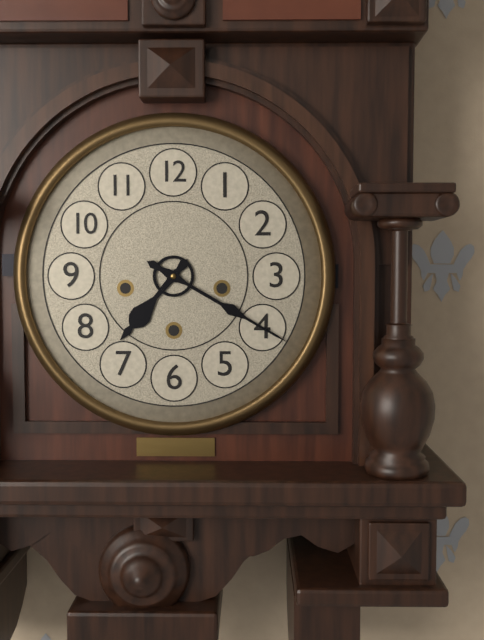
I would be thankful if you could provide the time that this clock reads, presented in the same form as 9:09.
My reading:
7:20
